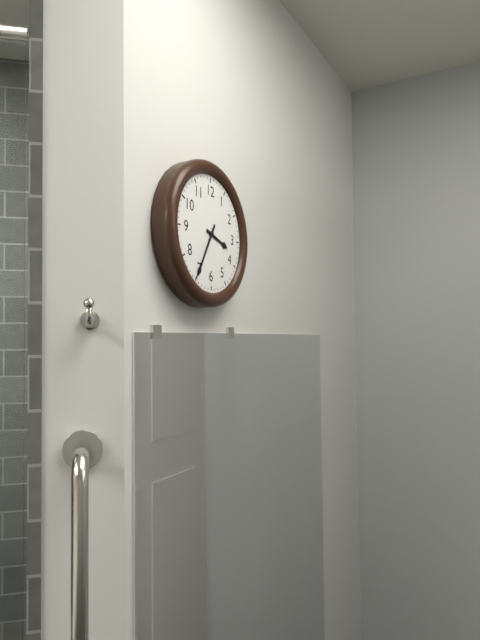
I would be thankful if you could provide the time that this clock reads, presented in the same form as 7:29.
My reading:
3:35
